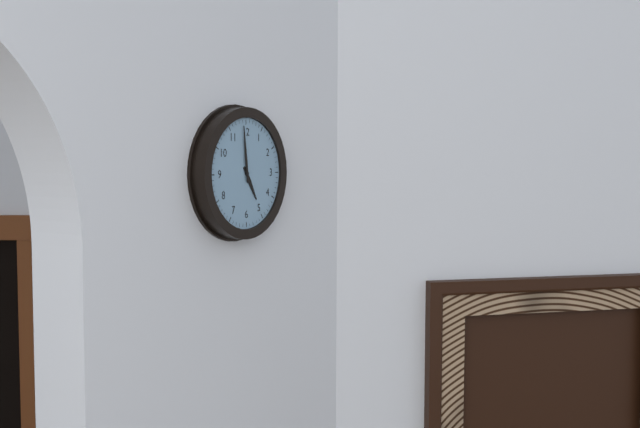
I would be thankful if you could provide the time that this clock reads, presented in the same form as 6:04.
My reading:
4:59
